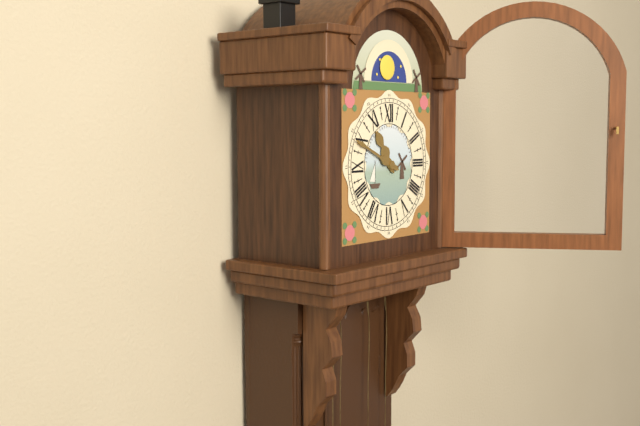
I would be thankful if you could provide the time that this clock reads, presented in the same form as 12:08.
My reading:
10:49
